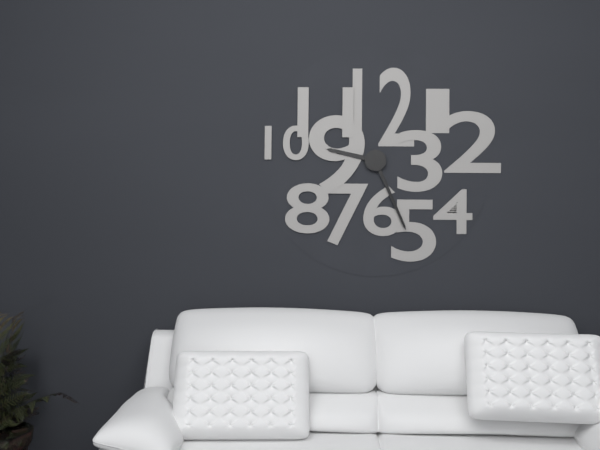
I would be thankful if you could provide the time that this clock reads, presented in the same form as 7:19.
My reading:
9:26
